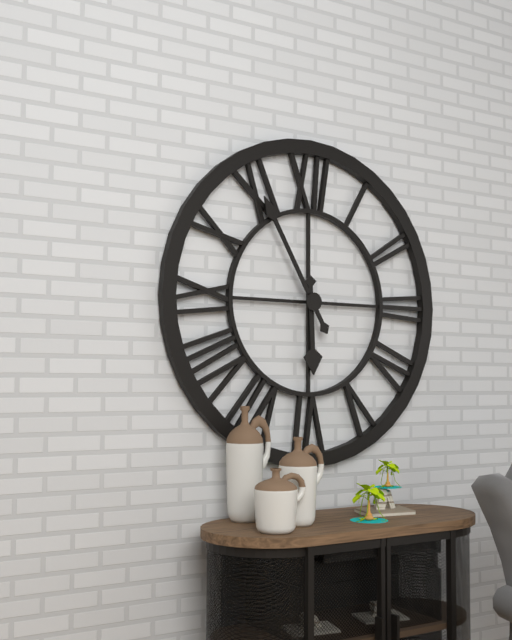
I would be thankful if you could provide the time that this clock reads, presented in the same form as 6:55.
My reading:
5:55
